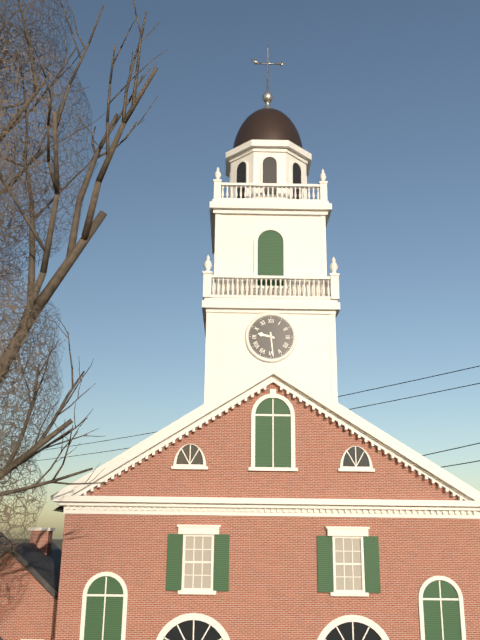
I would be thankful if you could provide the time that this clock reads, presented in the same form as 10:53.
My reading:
9:29
